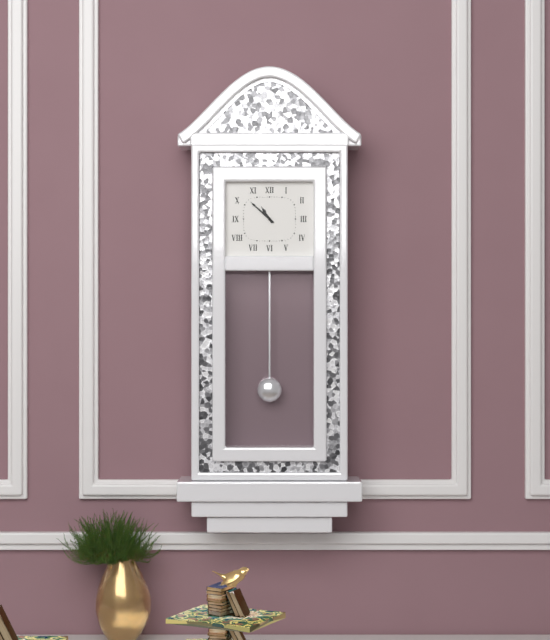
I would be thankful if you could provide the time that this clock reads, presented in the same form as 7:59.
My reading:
10:52
